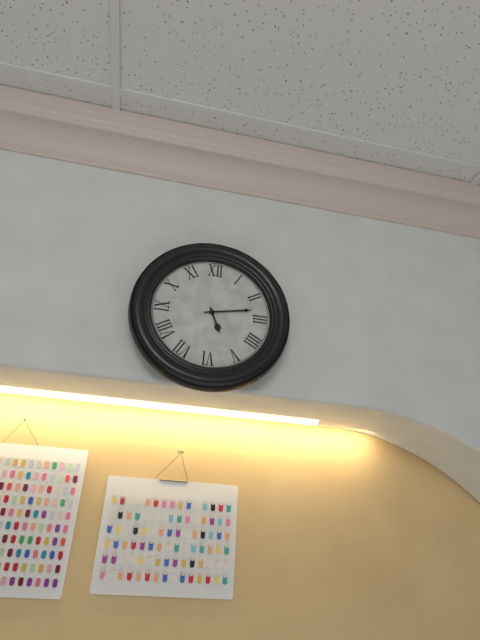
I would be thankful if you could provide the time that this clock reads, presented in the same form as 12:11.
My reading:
5:13
